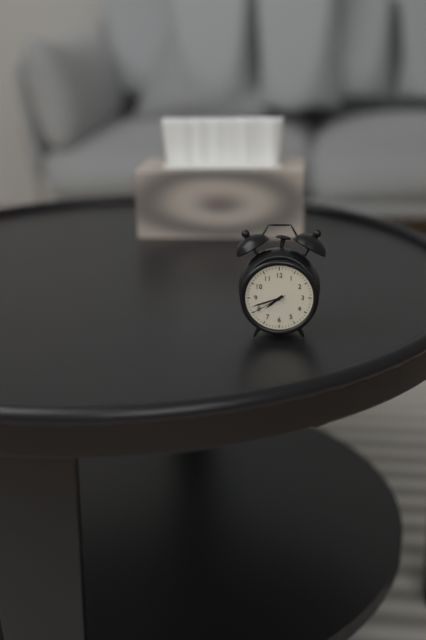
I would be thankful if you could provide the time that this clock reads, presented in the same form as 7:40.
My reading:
7:42
